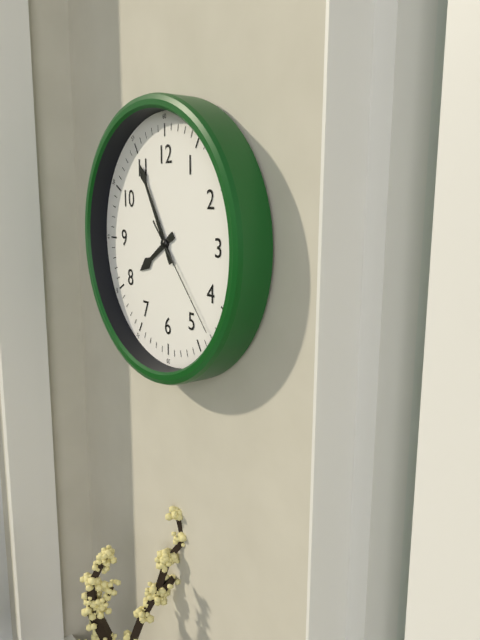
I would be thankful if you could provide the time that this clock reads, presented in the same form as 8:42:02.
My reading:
7:55:23
